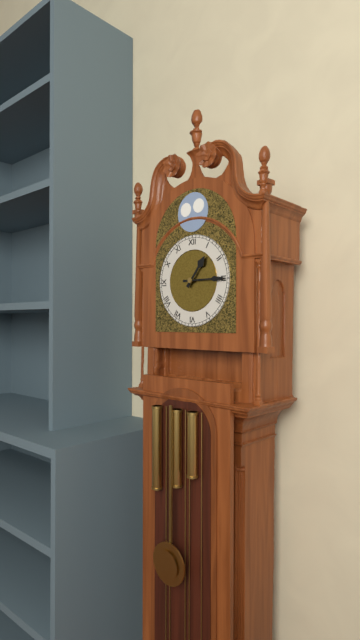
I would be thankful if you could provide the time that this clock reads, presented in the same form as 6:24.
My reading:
1:15
